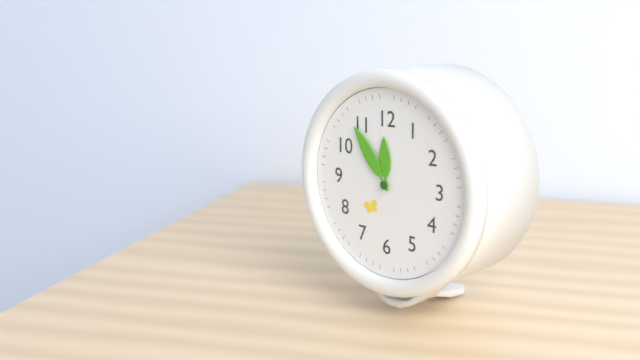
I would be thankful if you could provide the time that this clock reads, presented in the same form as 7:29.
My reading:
11:54
